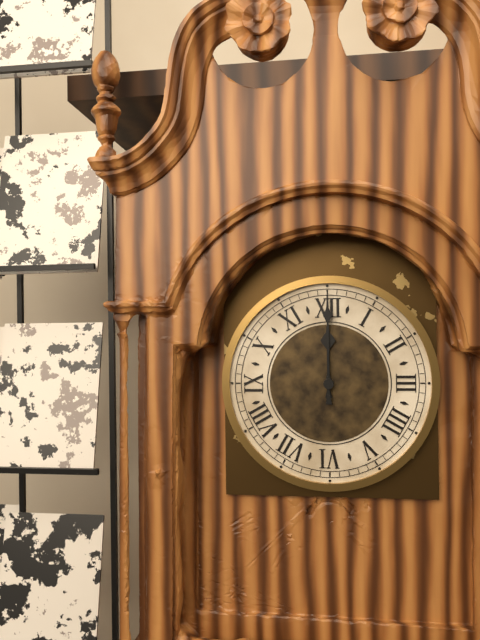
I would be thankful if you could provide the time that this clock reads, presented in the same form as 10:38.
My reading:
12:00
